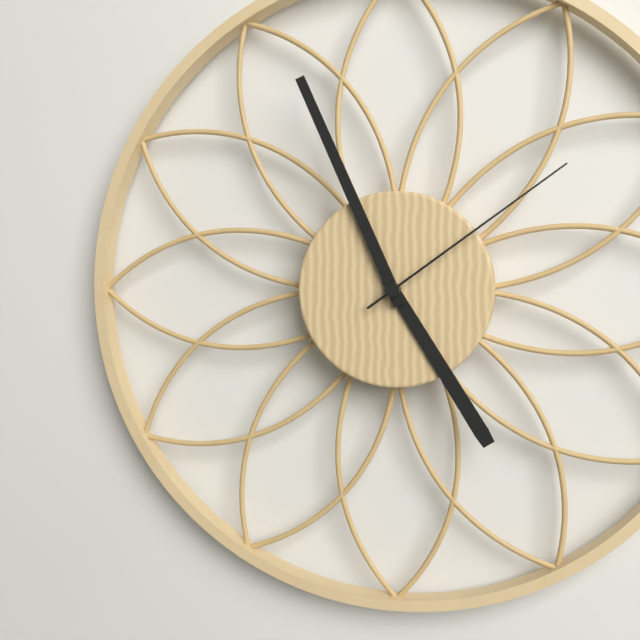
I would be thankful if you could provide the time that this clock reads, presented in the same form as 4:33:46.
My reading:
4:56:09
